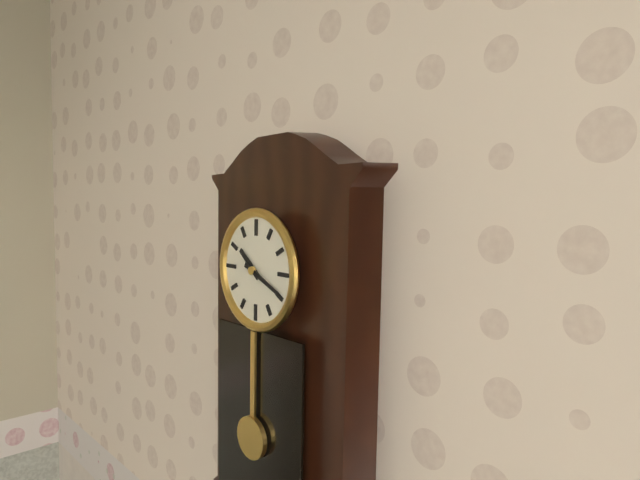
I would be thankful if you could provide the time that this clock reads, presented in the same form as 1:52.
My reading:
10:19
